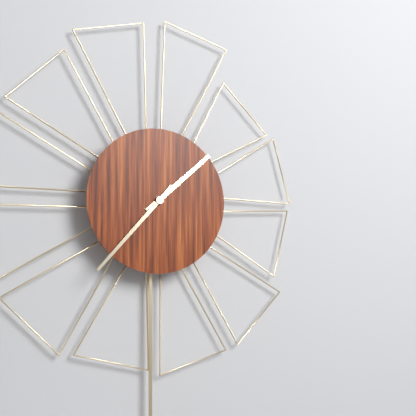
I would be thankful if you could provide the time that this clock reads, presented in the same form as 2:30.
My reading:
1:37
